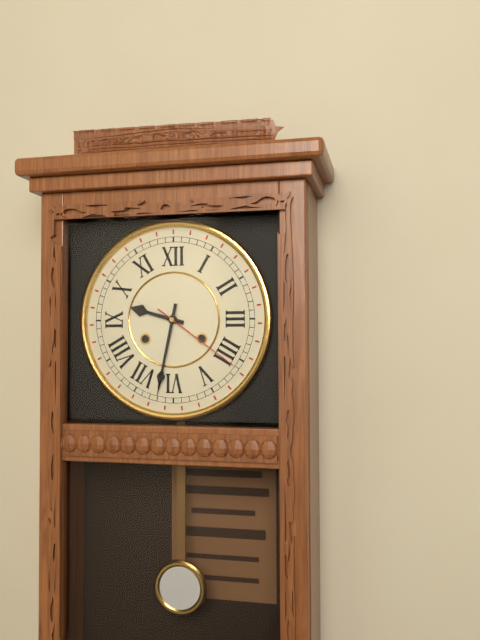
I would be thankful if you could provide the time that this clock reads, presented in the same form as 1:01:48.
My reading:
9:32:21
